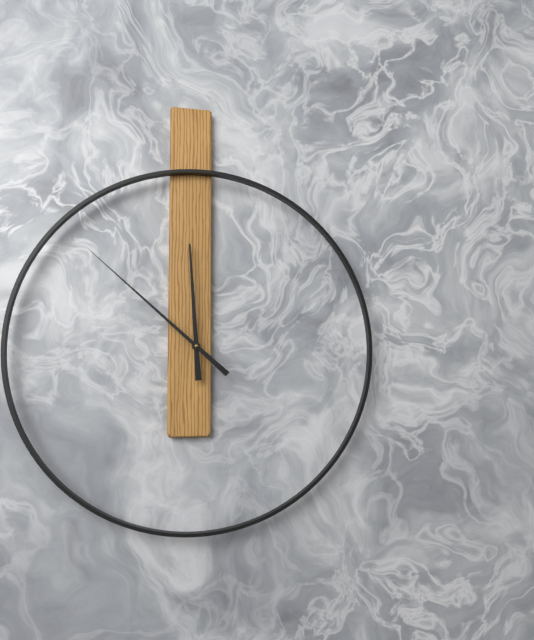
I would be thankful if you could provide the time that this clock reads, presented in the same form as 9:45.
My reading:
11:52
